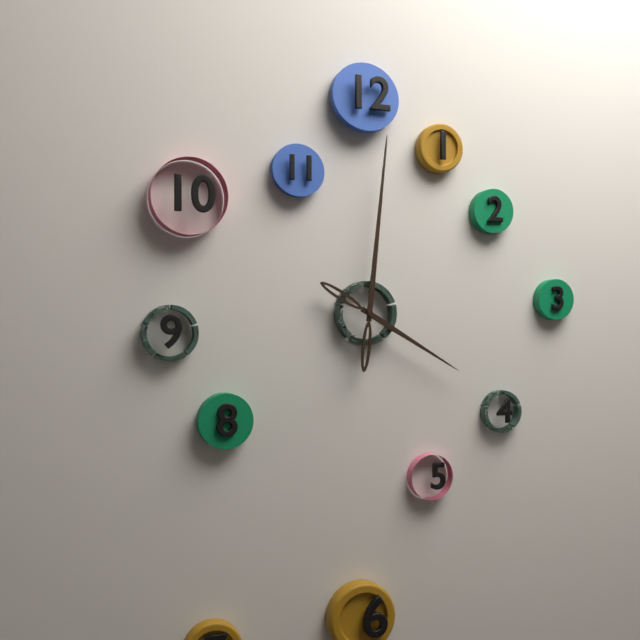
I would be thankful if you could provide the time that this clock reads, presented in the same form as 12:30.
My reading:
4:01
